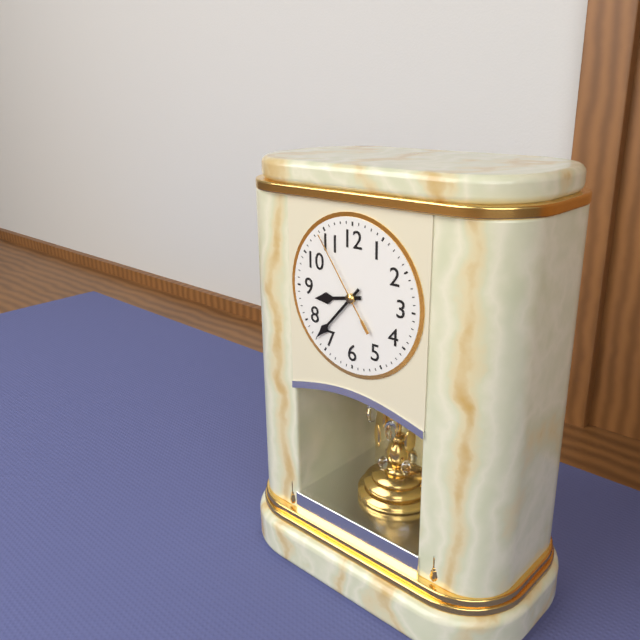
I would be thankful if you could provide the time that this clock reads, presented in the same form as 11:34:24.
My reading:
8:37:54
